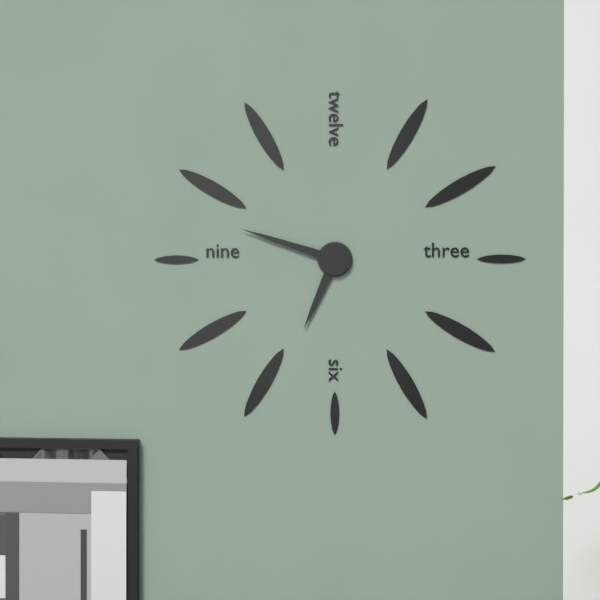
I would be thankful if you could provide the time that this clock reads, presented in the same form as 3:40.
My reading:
6:48
